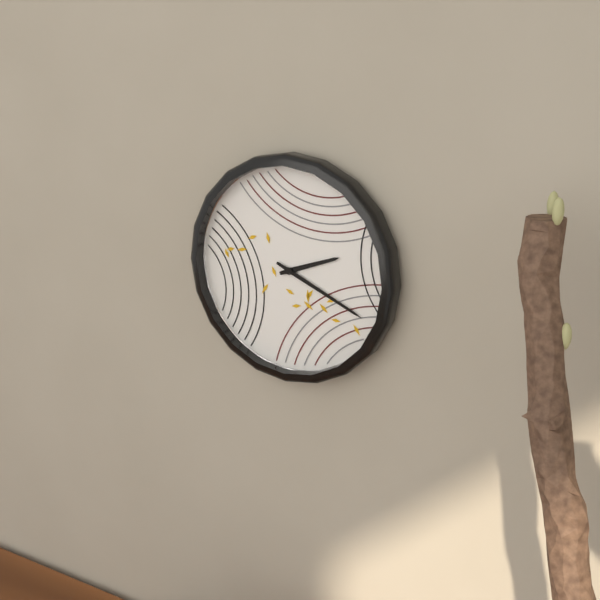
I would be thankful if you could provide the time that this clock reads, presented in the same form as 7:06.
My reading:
2:19
